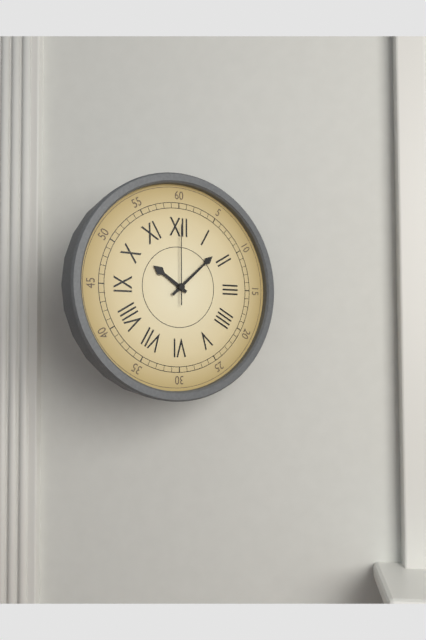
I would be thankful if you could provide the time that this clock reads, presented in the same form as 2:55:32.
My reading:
10:08:00
